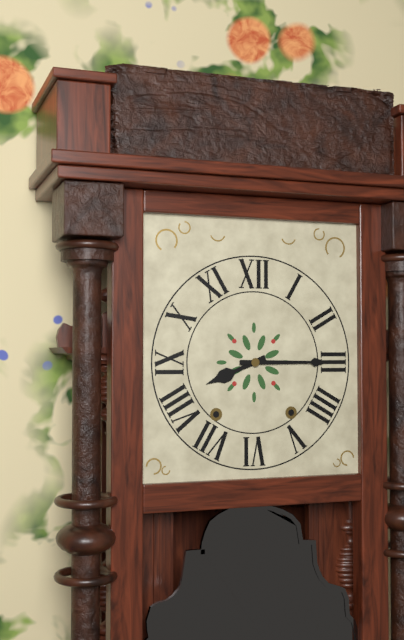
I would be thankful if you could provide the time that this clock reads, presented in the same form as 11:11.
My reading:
8:15
